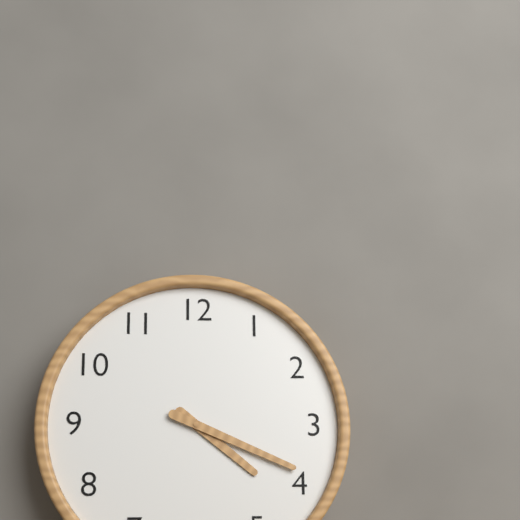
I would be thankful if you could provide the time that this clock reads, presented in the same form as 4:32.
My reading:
4:19
